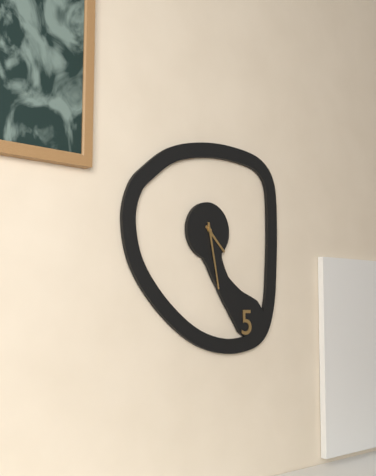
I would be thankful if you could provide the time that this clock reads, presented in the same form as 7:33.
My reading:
4:28
